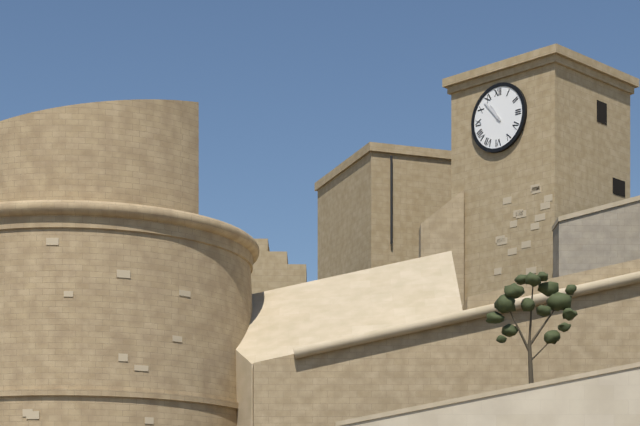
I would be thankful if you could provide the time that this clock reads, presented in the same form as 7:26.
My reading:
10:53
